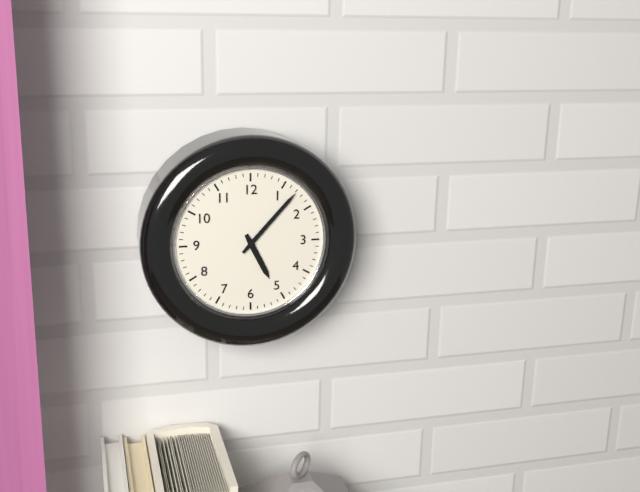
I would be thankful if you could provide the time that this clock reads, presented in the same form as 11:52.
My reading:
5:07
